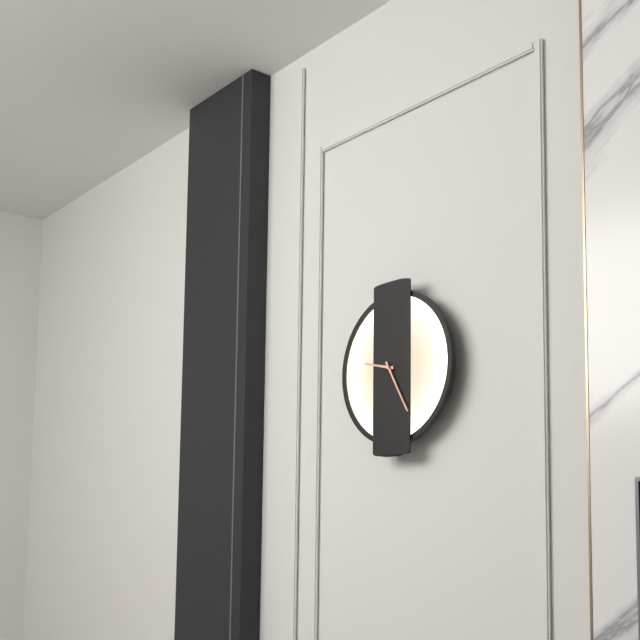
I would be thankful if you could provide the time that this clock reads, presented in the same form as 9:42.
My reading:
9:25
